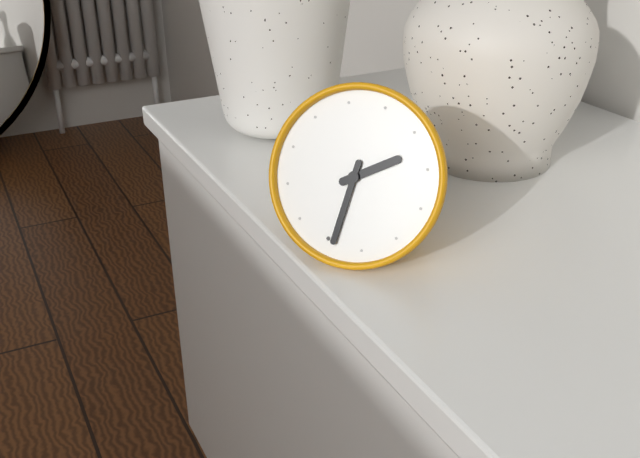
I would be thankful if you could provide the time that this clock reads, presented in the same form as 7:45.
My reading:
1:29
